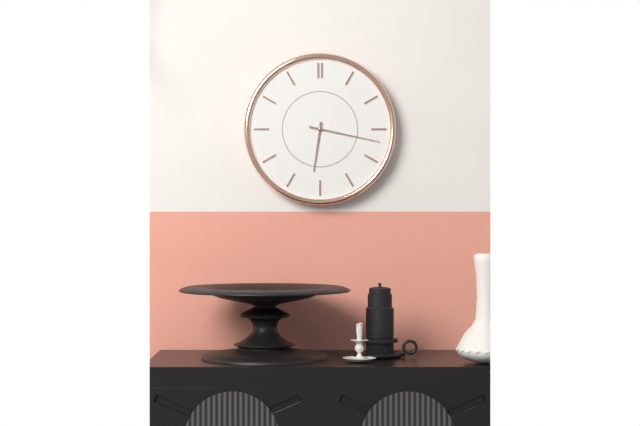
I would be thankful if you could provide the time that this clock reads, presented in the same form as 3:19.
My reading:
6:17
